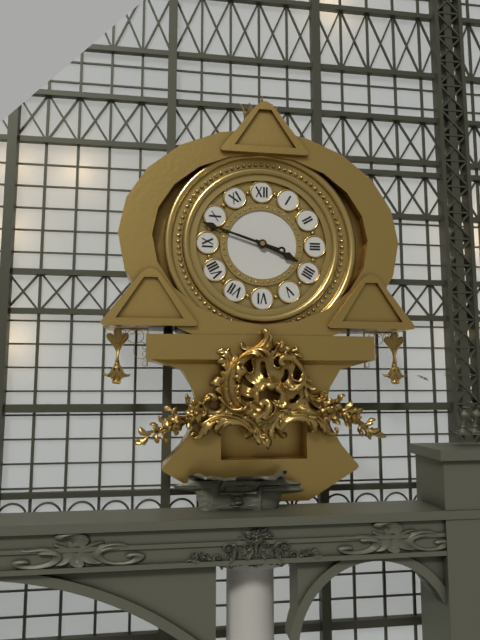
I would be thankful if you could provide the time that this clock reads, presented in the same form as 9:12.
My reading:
3:48
